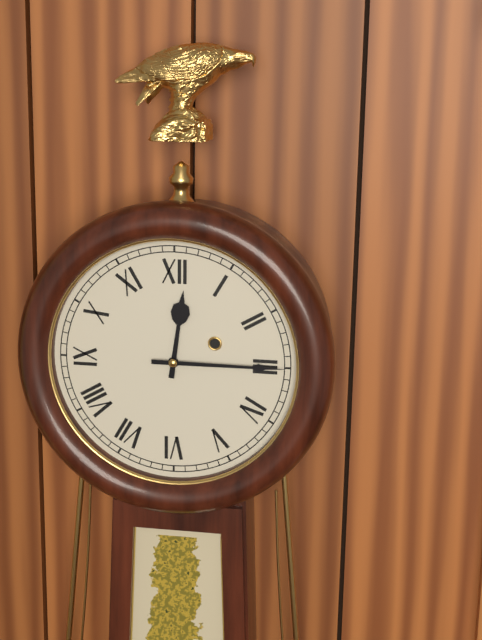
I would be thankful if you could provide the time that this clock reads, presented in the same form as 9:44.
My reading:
12:15
